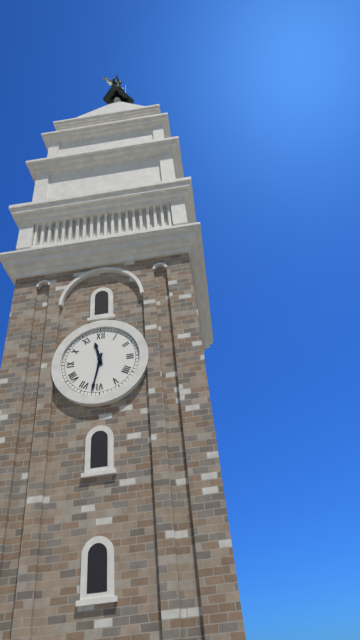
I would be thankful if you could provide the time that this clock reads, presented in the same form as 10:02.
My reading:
11:32
